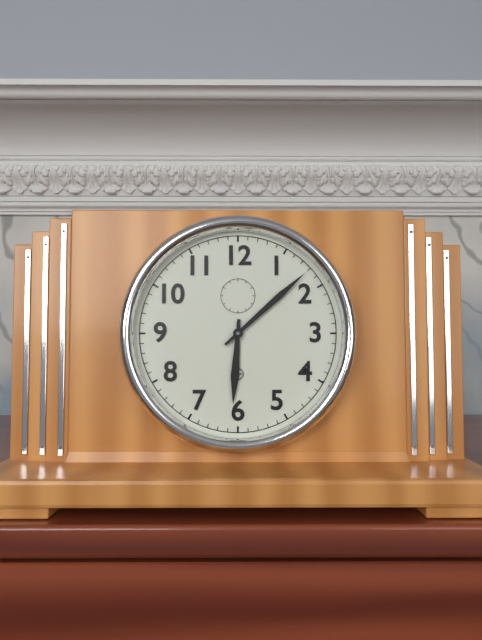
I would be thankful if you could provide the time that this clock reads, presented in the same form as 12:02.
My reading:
6:08
